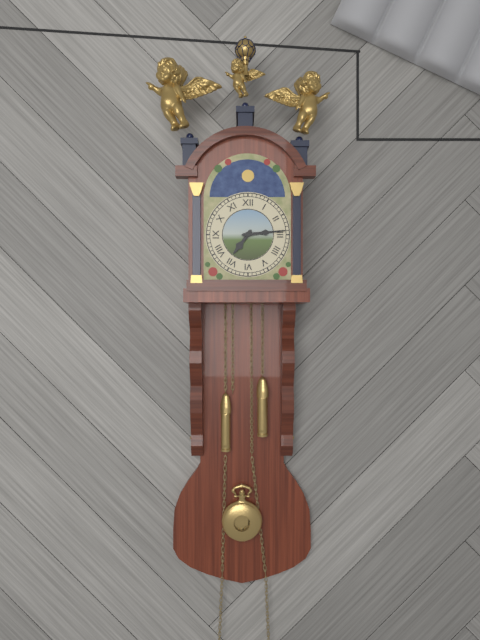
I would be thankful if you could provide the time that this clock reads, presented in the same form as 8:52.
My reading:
7:14
